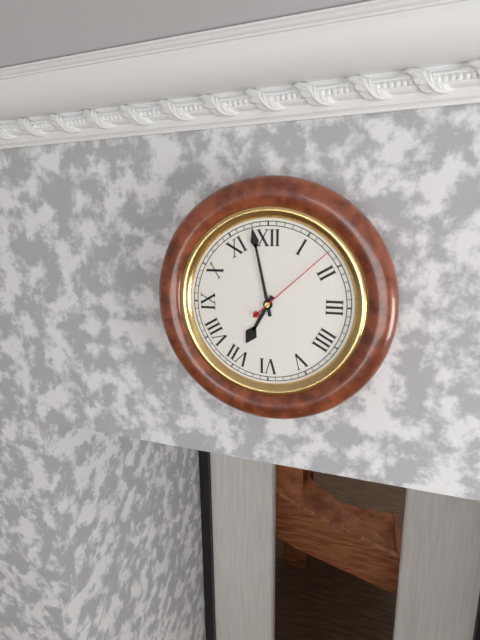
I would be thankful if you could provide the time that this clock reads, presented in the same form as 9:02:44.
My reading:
6:58:08
